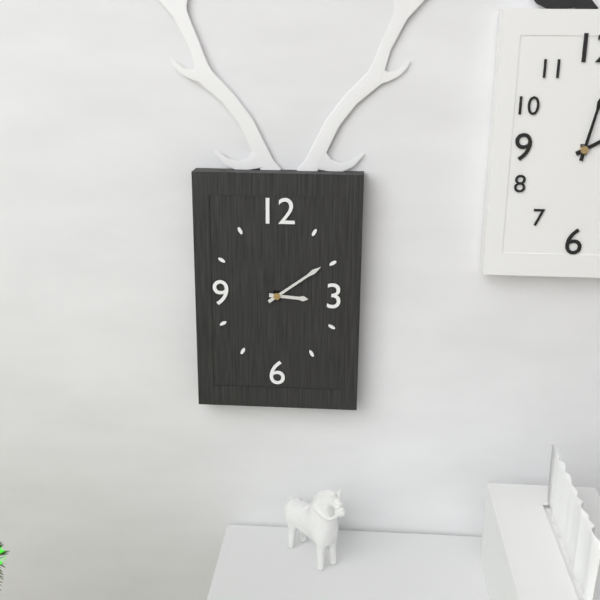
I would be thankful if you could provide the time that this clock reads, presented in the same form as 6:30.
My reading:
3:09
